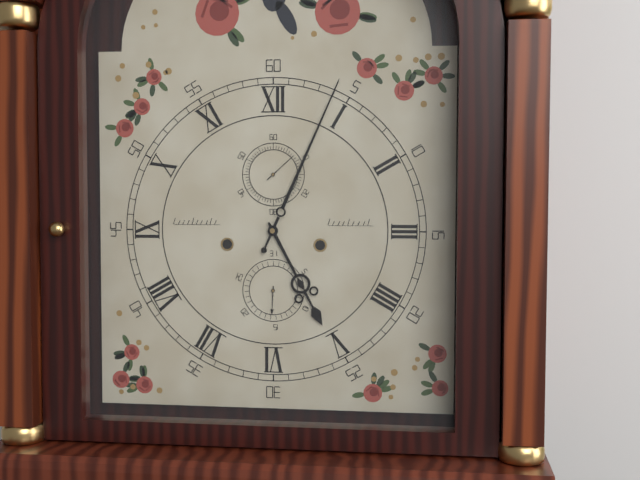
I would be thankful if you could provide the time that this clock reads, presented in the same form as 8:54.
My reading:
5:04
